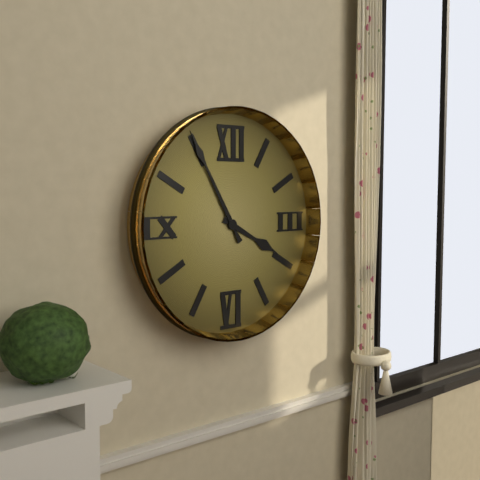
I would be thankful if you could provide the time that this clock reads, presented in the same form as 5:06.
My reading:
3:55
